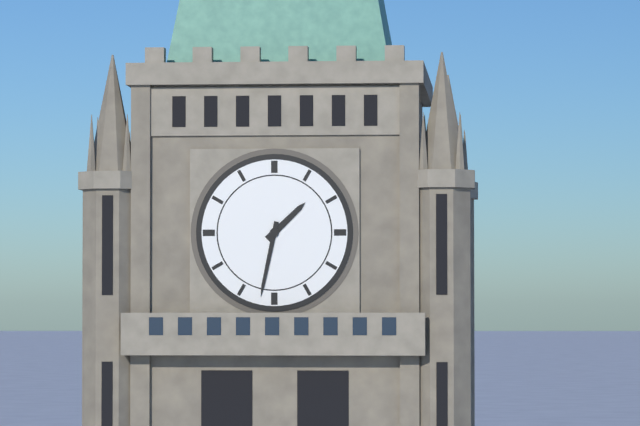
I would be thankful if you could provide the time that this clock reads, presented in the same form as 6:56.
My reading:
1:32
